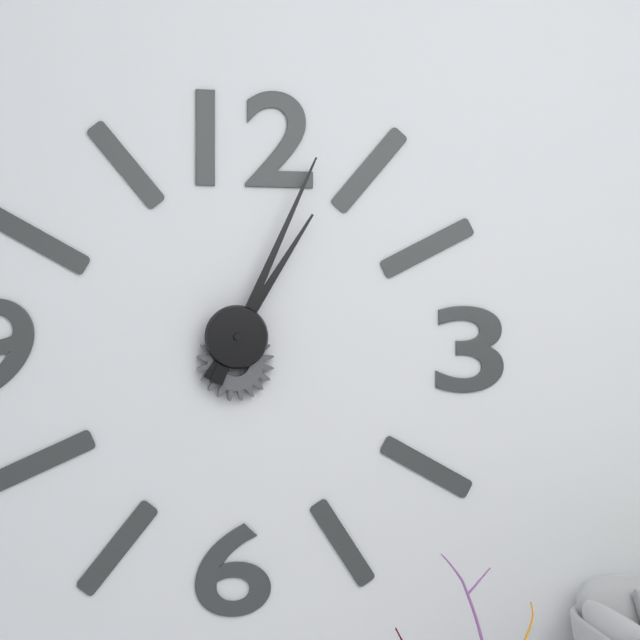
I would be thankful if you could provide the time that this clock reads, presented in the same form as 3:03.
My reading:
1:04
